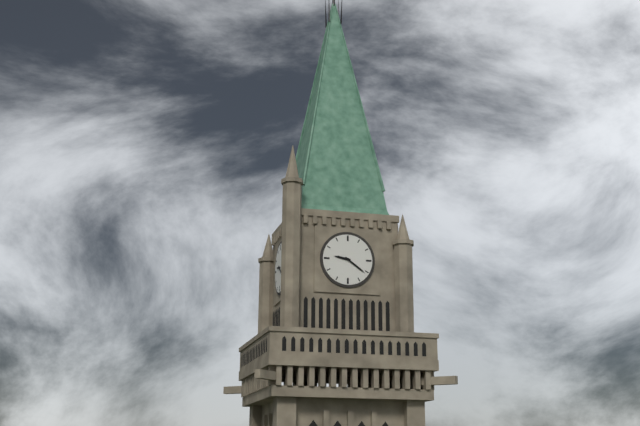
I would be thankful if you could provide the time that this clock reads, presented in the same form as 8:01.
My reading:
9:21
